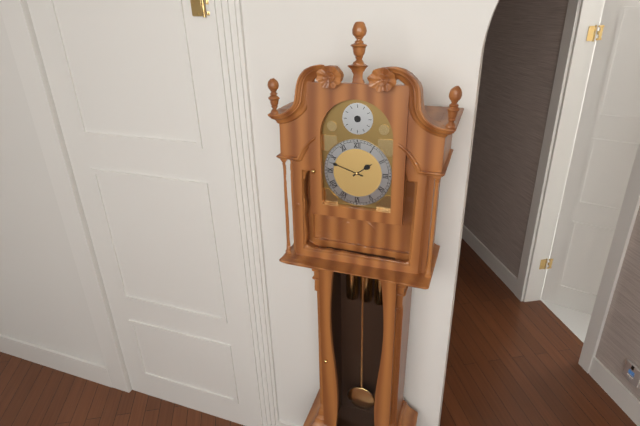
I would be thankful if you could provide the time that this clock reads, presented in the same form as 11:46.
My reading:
1:48
